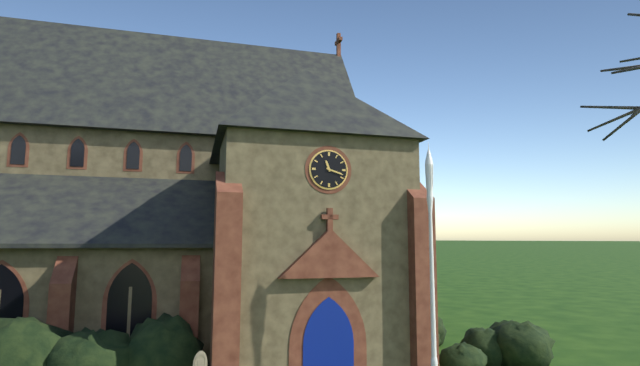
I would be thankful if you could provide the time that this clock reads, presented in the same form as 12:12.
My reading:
11:18
